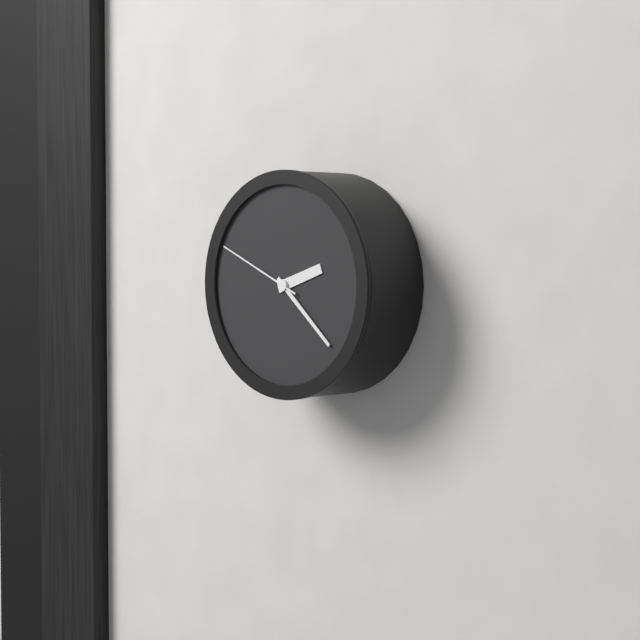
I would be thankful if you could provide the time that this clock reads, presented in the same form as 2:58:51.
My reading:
2:22:49
